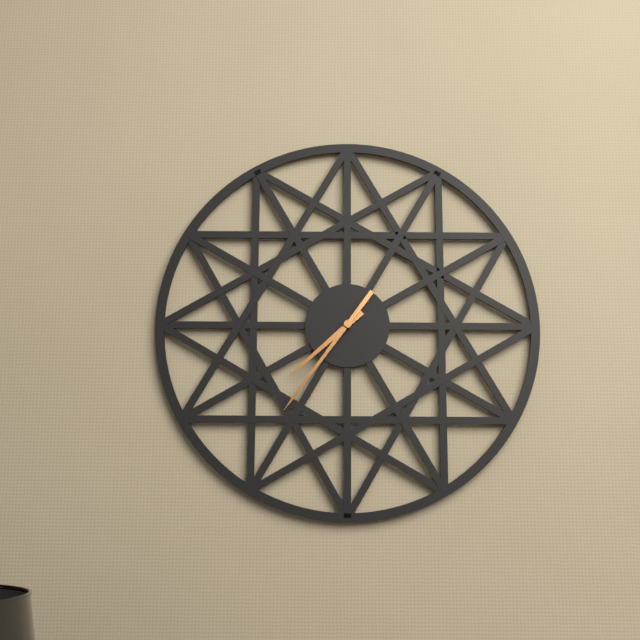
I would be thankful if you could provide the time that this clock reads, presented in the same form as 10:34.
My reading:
7:36
